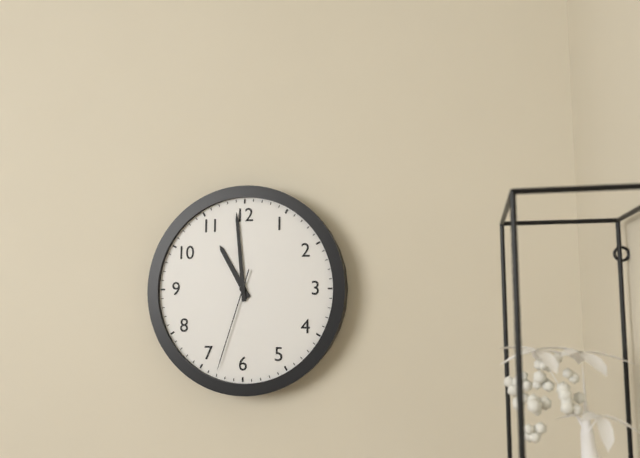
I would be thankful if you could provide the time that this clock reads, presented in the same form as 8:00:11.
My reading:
10:59:33
